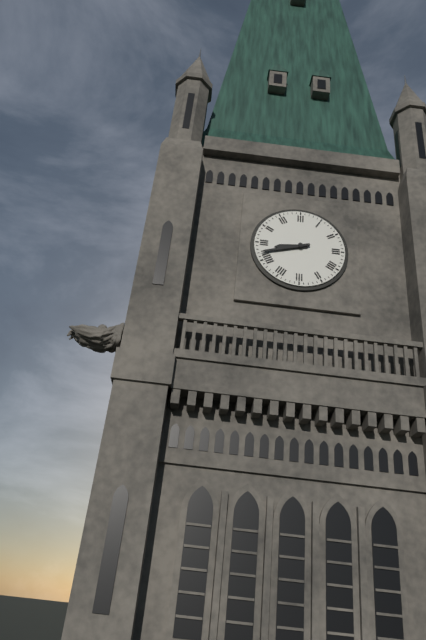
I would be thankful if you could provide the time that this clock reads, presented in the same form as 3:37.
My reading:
8:42
